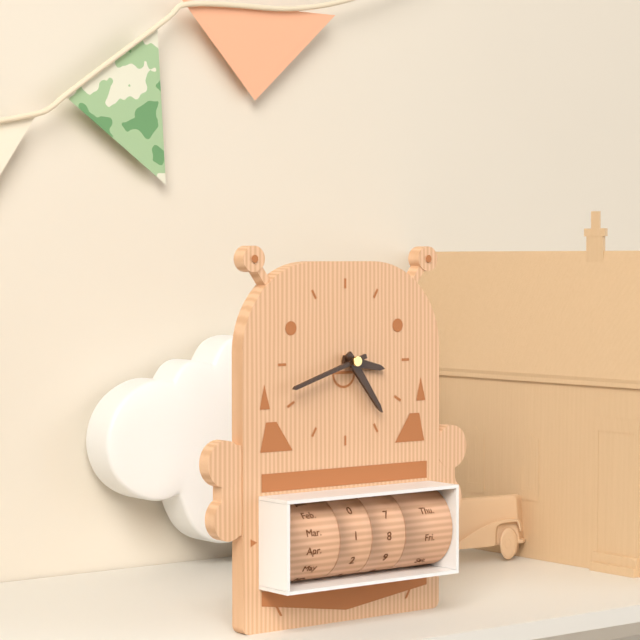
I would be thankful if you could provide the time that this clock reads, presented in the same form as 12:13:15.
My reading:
3:24:42
